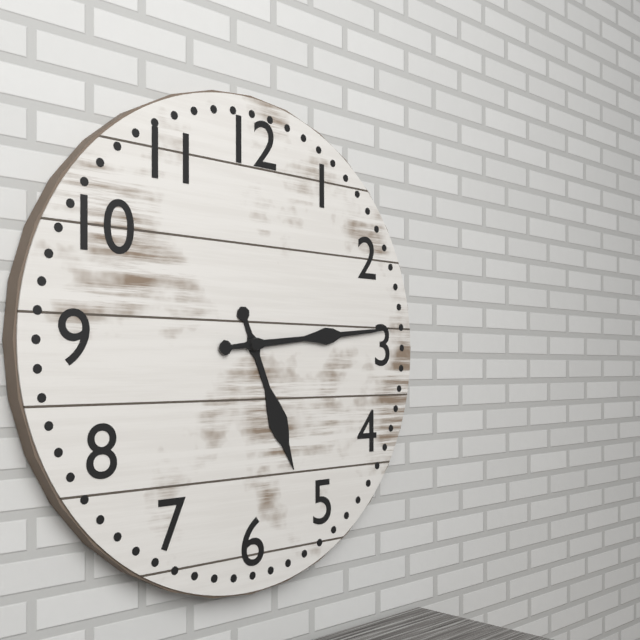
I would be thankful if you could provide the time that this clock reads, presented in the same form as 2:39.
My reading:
5:14
